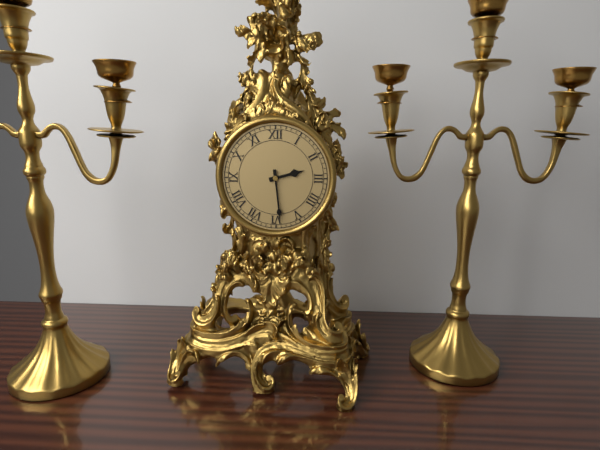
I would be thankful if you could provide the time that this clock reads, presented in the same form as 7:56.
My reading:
2:29
